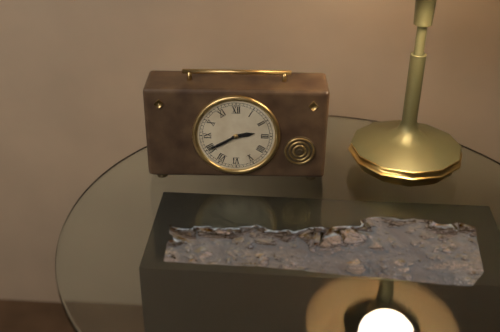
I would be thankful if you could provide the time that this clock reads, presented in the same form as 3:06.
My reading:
2:40
